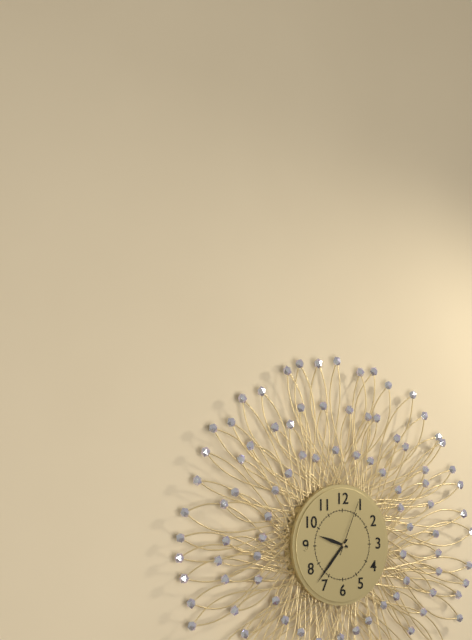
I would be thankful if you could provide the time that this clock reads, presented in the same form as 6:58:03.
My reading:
9:37:04
